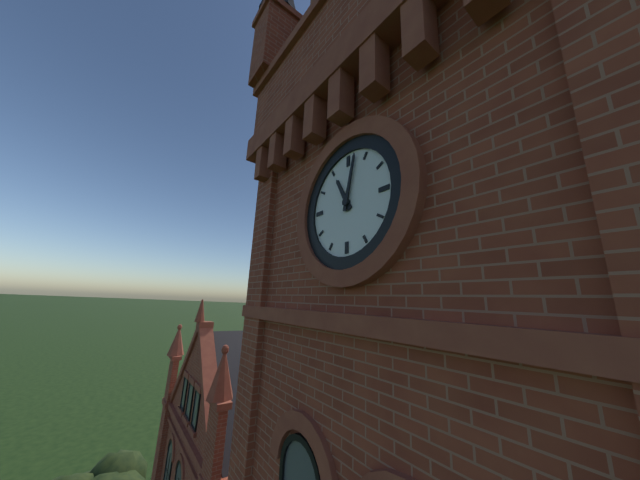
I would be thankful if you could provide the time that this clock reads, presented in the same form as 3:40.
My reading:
11:02
